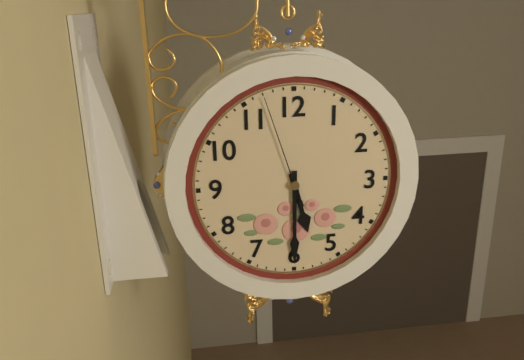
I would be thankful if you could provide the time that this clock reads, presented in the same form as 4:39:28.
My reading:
5:30:57
